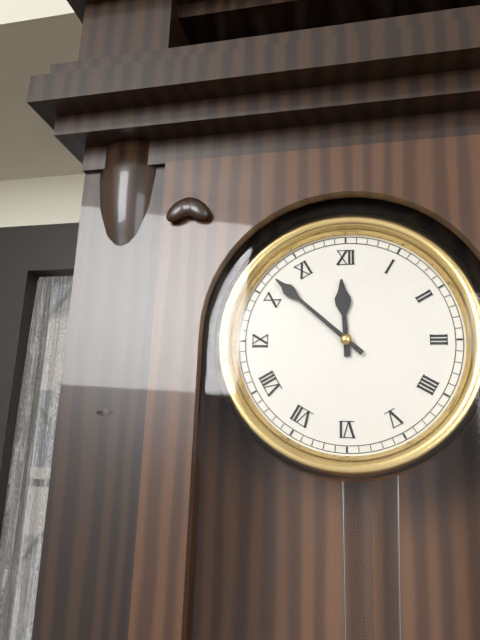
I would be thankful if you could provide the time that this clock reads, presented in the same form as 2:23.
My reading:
11:52
